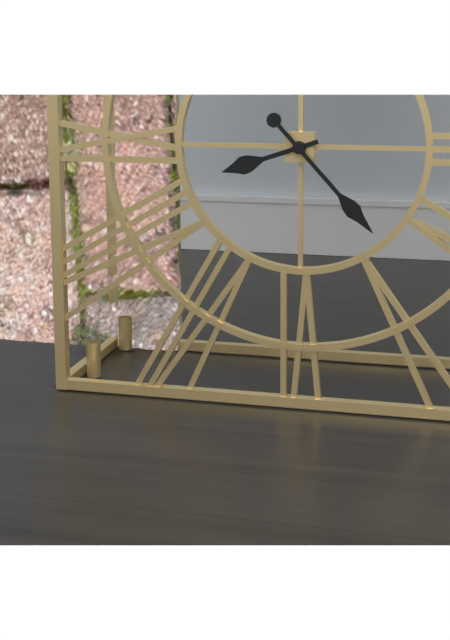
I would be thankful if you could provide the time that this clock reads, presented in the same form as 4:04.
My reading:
8:23
